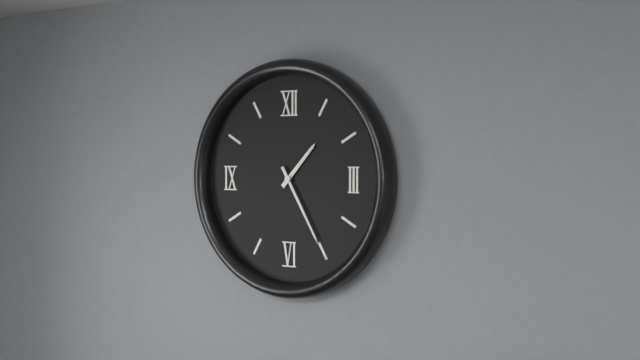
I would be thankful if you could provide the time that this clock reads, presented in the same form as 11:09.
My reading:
1:25
